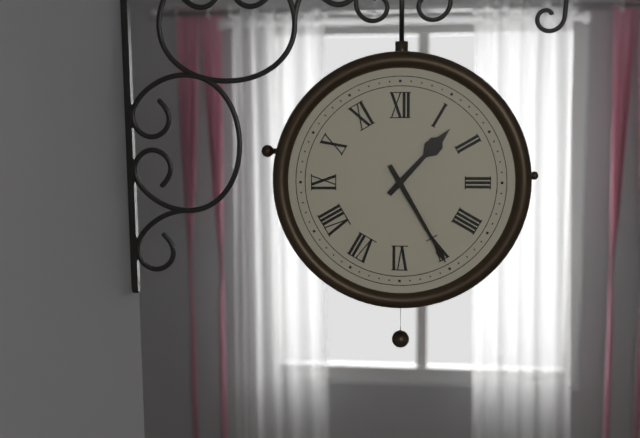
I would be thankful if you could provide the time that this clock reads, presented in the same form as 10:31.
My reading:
1:25
